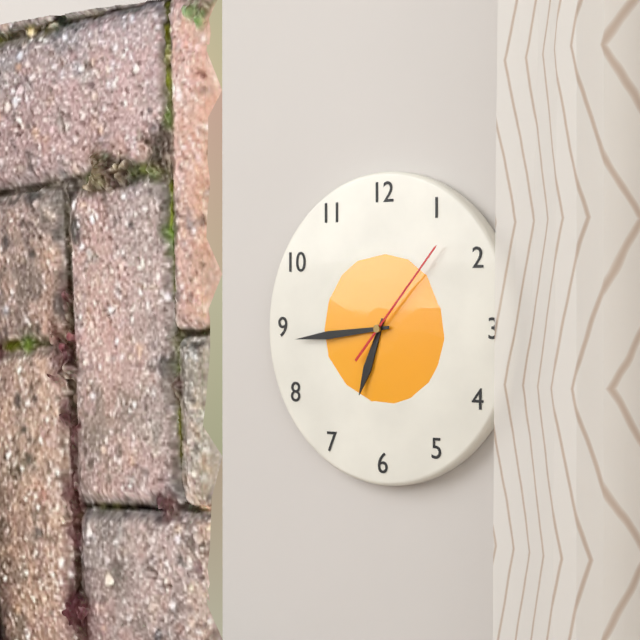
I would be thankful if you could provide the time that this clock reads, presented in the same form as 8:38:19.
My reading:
6:44:07
